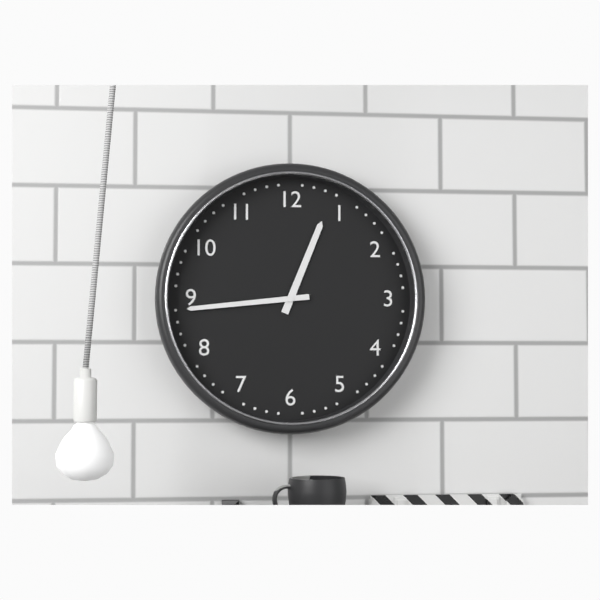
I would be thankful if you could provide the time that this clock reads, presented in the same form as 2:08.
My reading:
12:44
